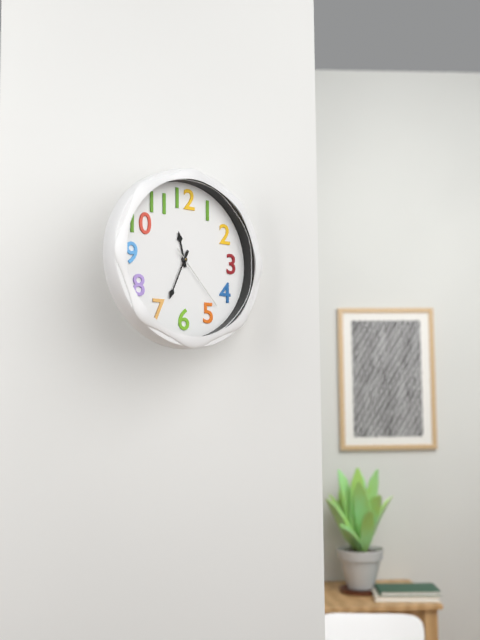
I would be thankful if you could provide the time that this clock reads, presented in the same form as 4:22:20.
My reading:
11:34:23
